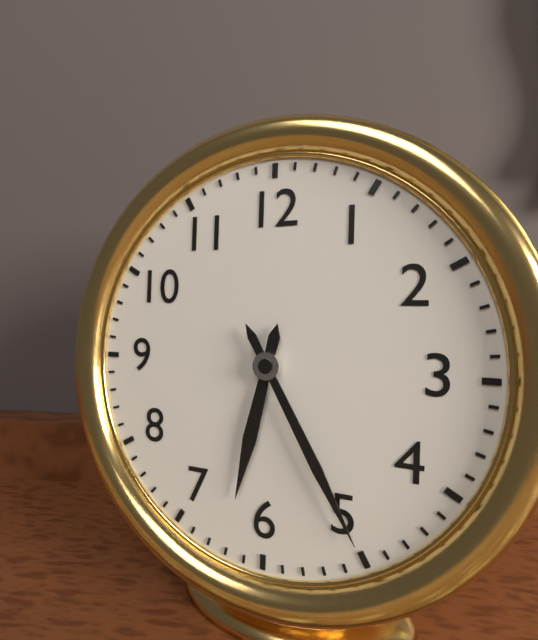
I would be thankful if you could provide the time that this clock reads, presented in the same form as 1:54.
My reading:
6:25
